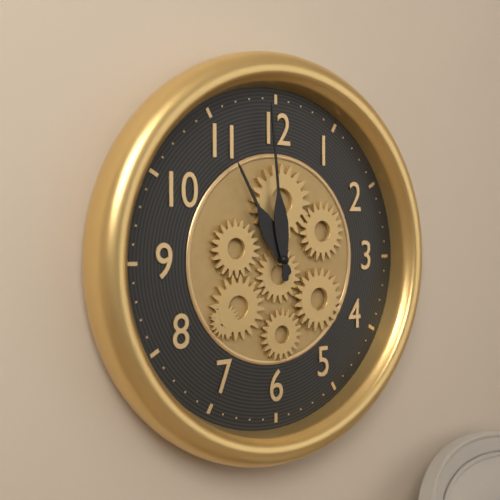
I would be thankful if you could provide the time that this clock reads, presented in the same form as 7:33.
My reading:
10:59
